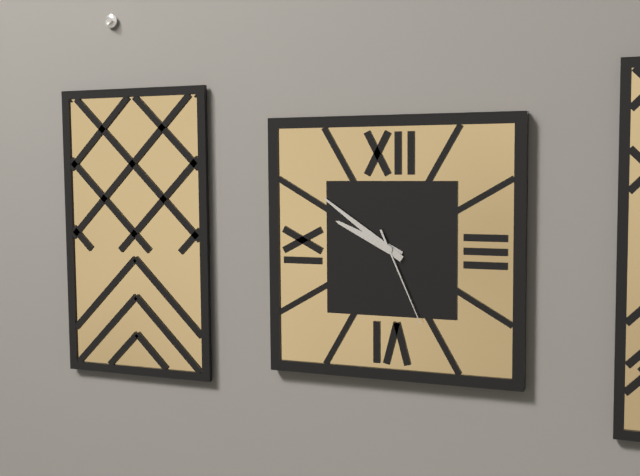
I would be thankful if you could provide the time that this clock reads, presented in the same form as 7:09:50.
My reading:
9:51:26
